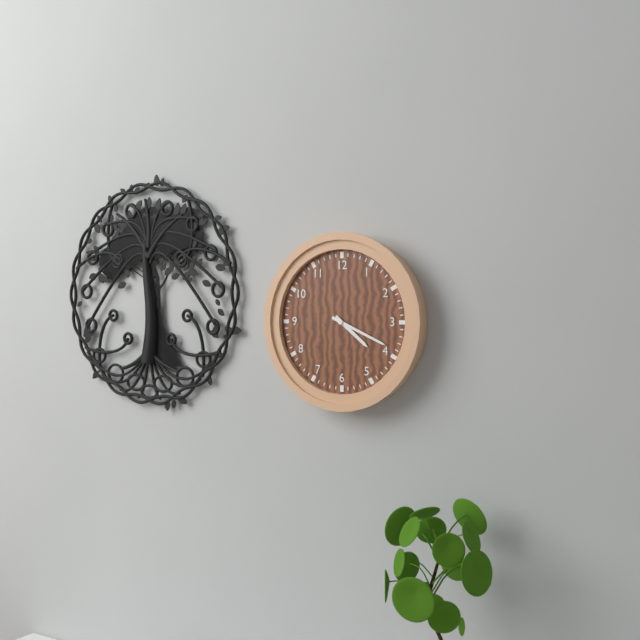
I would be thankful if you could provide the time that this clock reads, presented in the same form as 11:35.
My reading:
4:19
